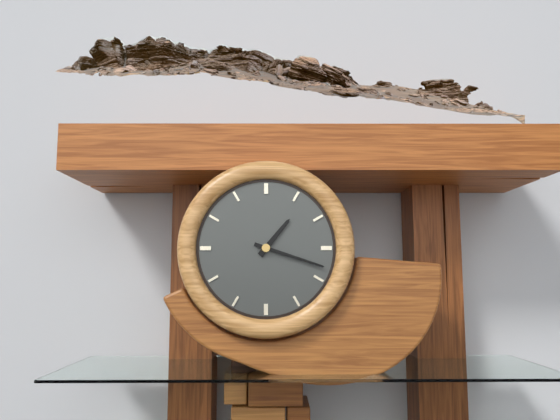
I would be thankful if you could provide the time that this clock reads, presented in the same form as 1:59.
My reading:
1:18
